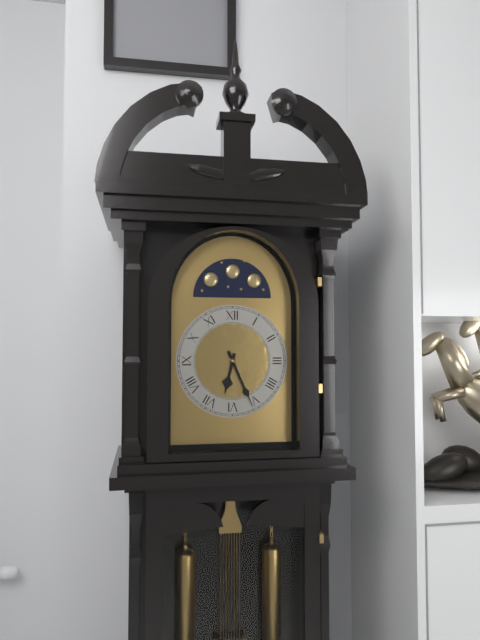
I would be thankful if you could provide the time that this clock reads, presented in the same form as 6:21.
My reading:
6:26
